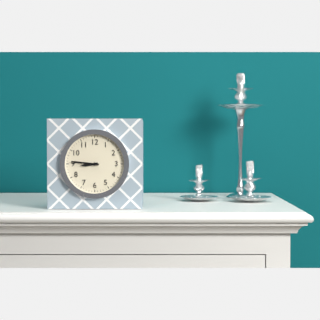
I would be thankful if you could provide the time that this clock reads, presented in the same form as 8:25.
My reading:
8:46
